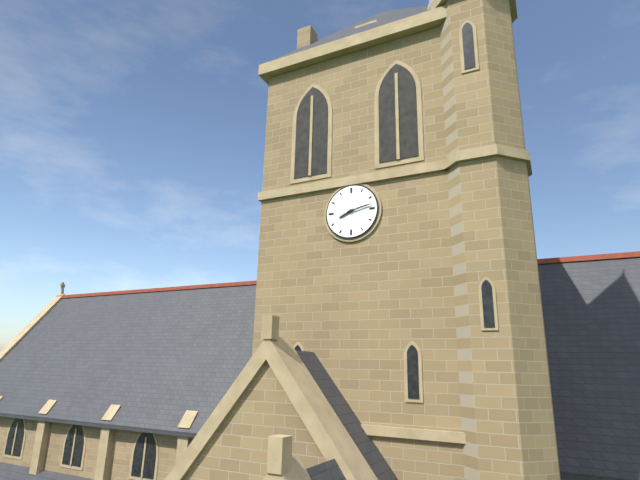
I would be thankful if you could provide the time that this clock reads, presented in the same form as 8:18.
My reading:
8:13
